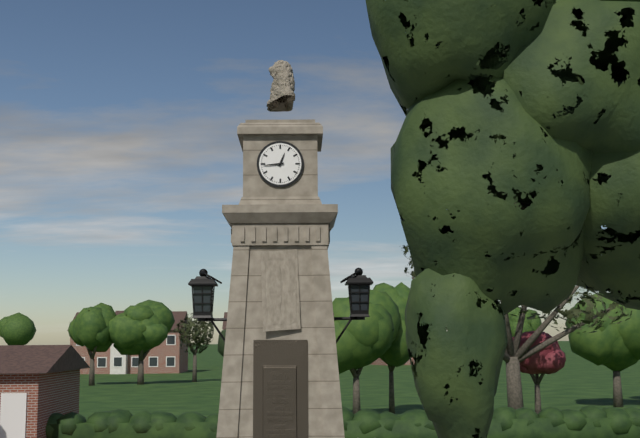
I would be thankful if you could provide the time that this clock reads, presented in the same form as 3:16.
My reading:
12:44
